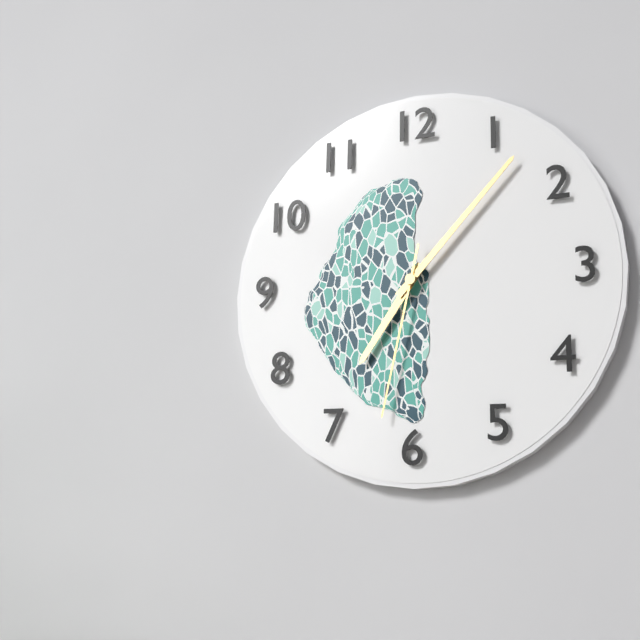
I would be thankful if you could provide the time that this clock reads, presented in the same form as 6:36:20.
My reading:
7:07:32
